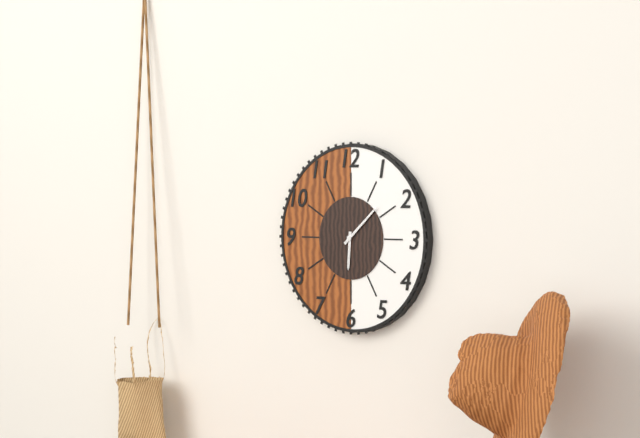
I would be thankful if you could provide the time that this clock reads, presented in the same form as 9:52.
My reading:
6:08
